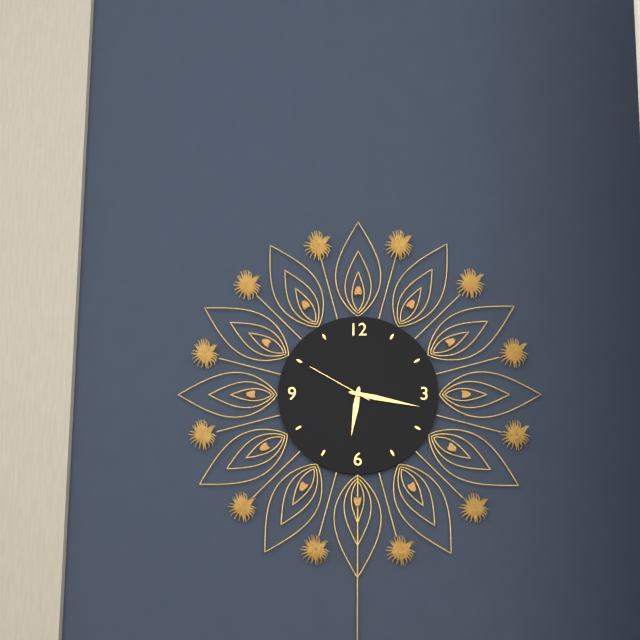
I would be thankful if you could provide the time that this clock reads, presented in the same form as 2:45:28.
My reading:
6:17:50
